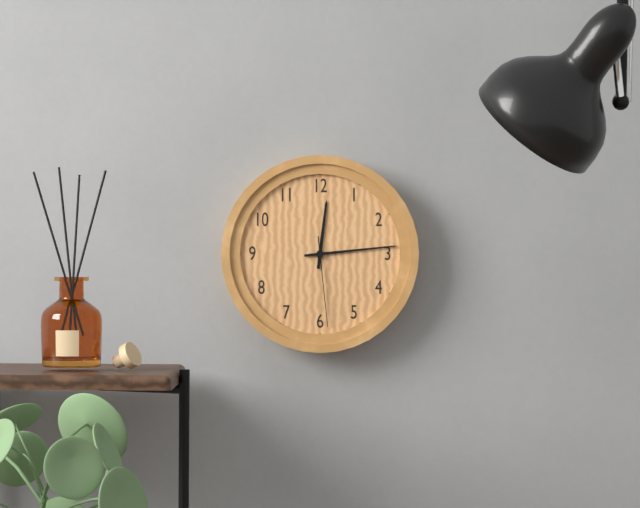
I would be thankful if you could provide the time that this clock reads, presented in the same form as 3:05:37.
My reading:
12:14:29
